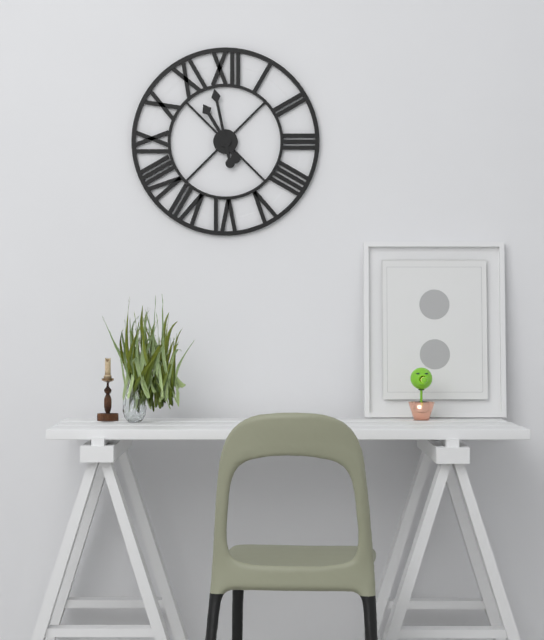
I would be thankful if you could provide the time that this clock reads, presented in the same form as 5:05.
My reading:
10:58
